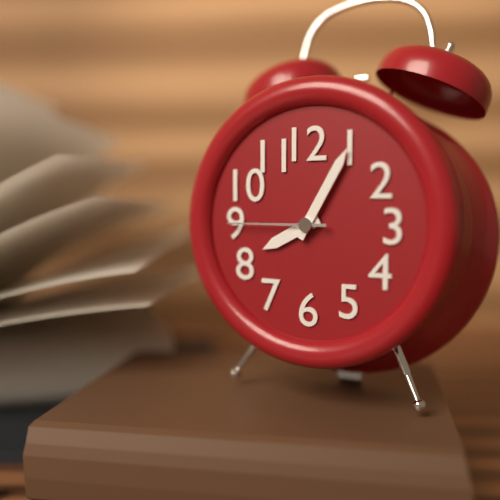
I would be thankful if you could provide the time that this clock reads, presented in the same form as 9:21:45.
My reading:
8:05:45
